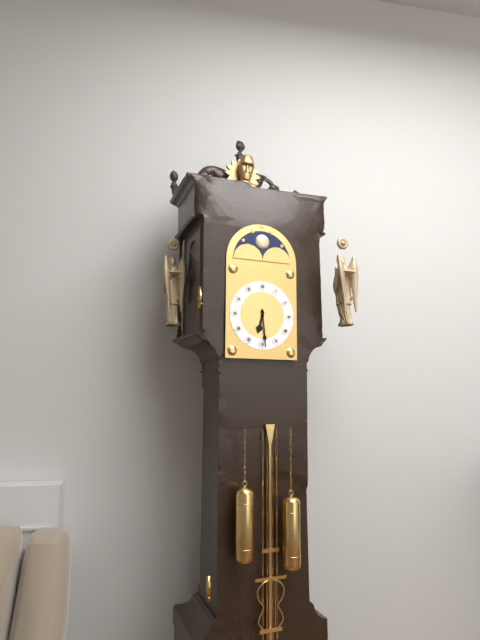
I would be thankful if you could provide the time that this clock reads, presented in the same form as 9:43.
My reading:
6:29
